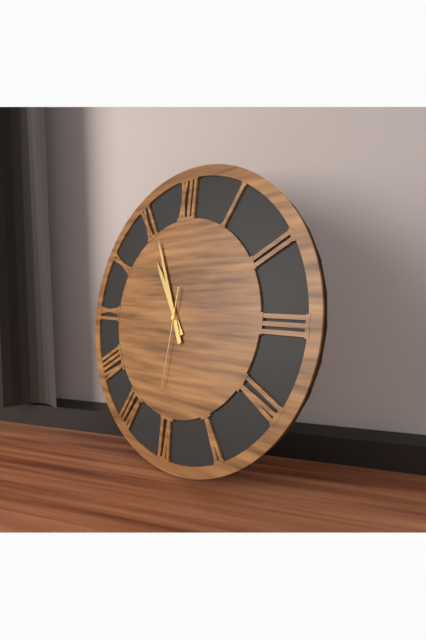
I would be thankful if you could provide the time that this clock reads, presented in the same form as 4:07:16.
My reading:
10:56:31
